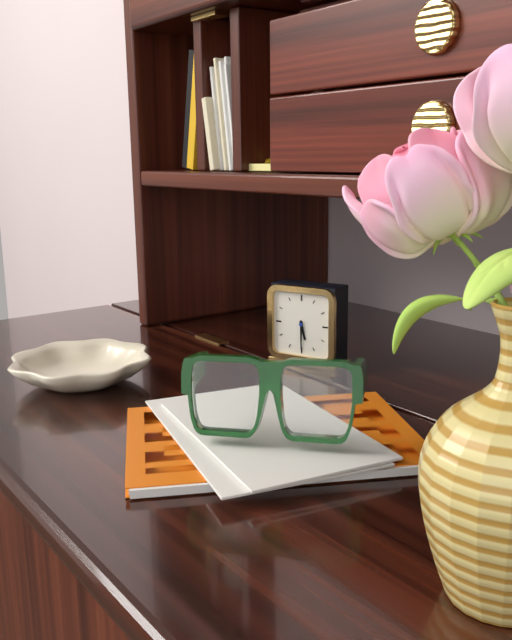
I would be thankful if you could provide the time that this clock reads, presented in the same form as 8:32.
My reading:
5:30
